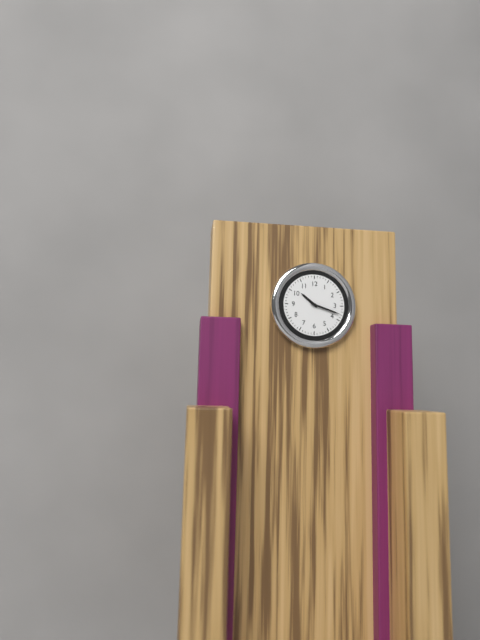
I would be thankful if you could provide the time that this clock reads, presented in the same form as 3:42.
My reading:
10:18
